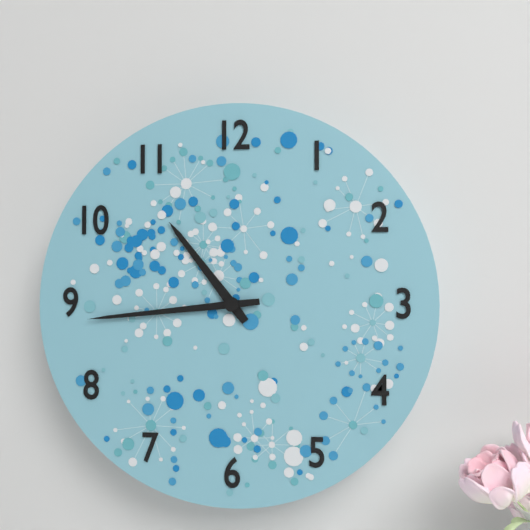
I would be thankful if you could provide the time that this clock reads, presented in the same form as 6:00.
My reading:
10:44
